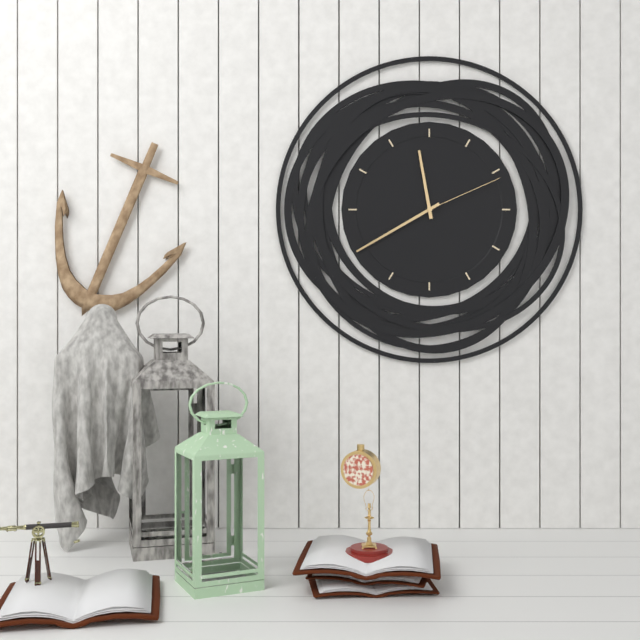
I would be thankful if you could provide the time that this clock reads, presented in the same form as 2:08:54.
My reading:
11:40:11
